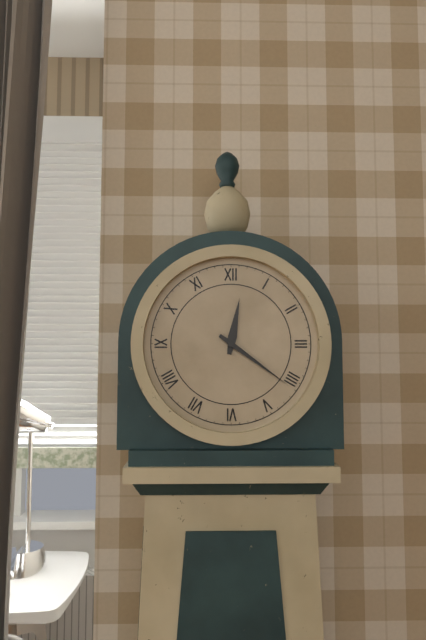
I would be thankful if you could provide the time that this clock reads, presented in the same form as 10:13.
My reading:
12:21
